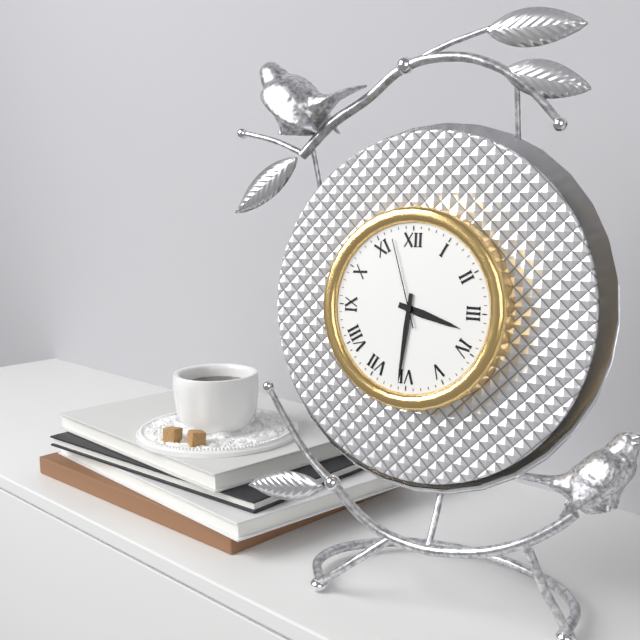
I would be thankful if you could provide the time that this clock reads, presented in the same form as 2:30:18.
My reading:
3:31:57
